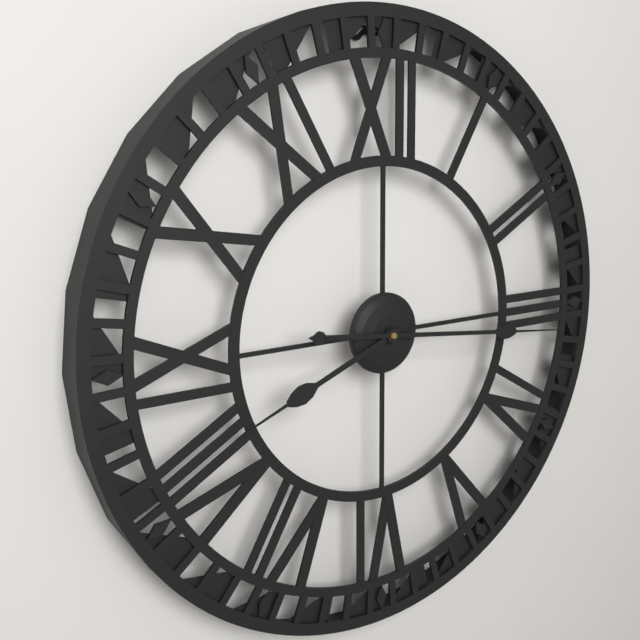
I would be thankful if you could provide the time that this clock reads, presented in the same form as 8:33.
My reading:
8:16
